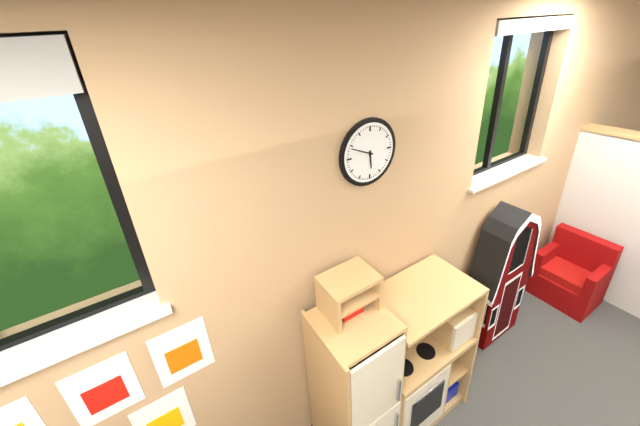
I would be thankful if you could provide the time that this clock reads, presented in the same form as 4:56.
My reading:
5:49
